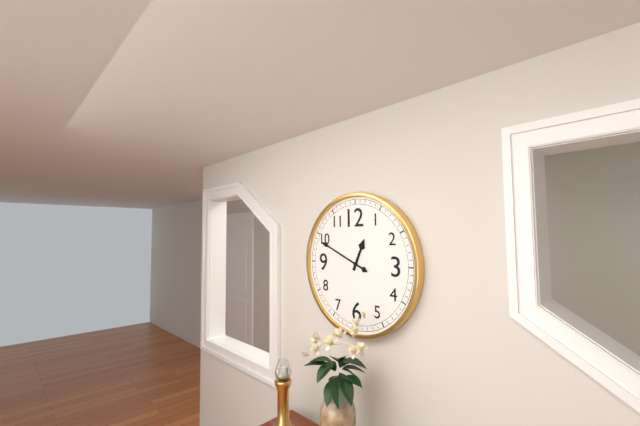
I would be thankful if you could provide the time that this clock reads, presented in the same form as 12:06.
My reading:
12:49
